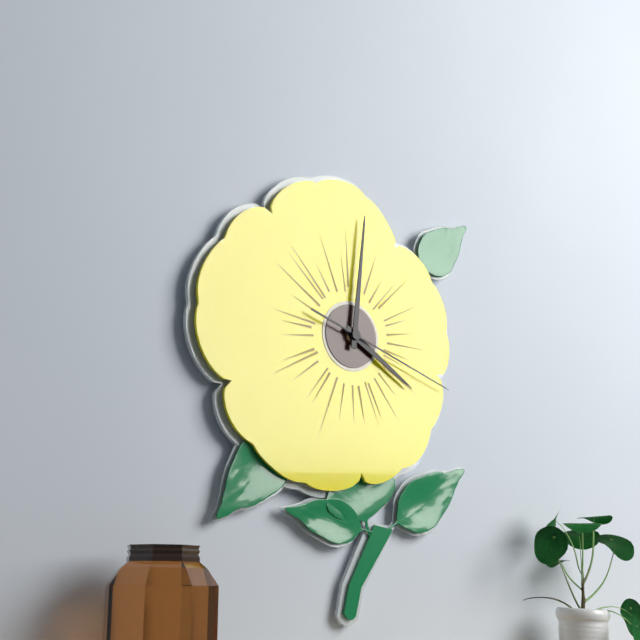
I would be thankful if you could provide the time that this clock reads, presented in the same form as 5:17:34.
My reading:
4:01:18
